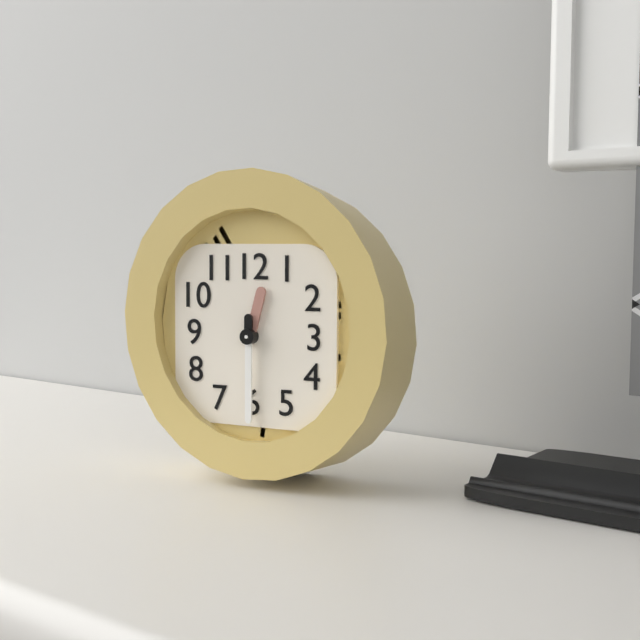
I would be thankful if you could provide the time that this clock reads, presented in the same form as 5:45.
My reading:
12:30
